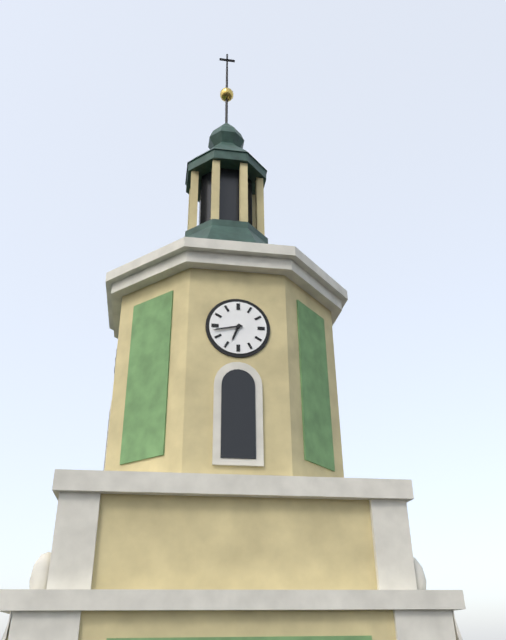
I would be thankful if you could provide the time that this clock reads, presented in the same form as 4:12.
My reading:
6:43
